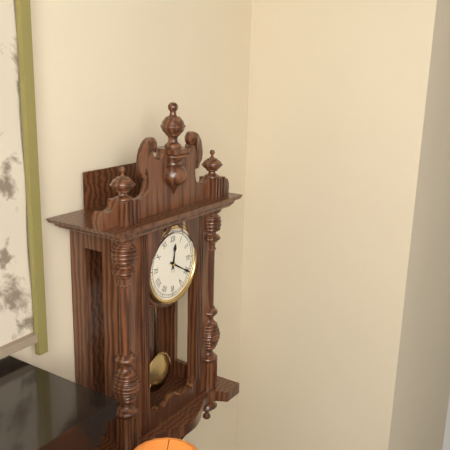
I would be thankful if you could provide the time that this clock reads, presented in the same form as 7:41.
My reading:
12:20
